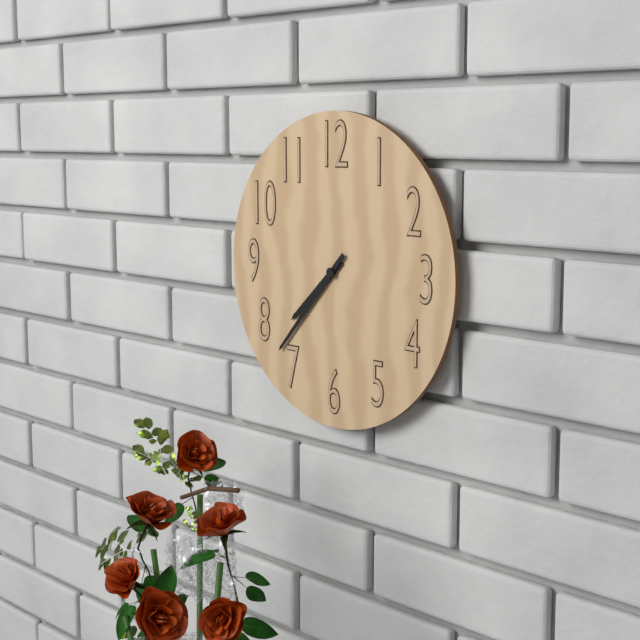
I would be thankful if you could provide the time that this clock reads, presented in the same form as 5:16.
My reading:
7:37
